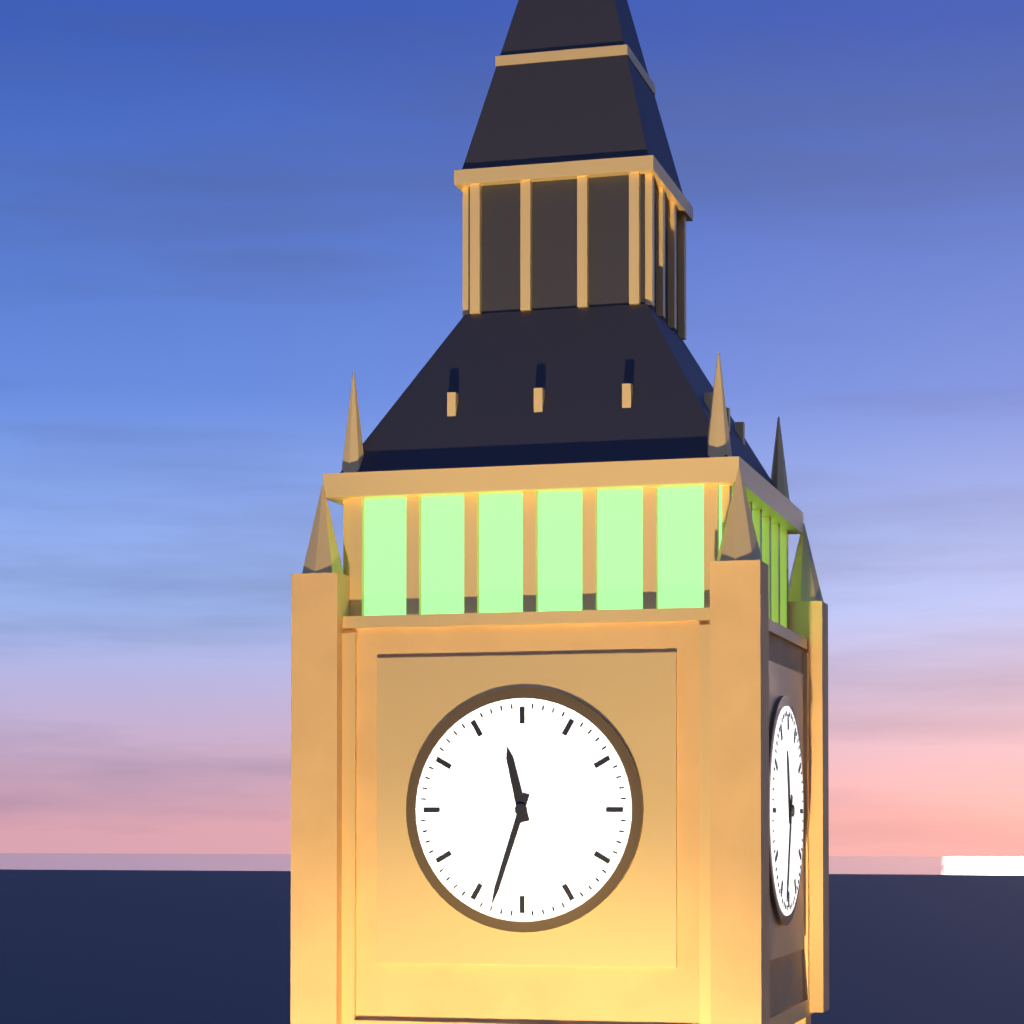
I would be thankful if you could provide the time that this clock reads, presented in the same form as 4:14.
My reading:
11:33
